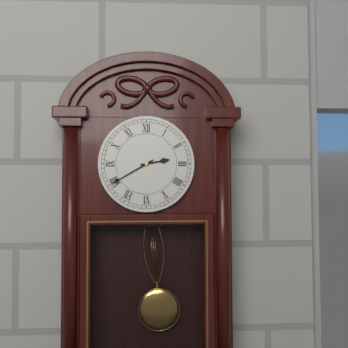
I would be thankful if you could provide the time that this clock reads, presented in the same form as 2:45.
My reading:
2:40
